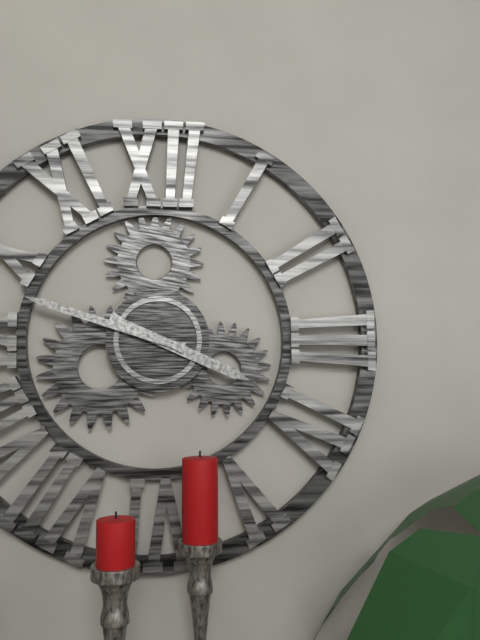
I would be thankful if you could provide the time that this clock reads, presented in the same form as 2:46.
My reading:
3:48
